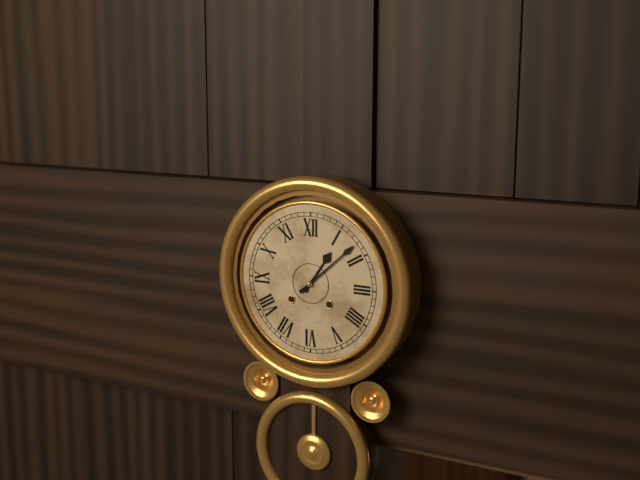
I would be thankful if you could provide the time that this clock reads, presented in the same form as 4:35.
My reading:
1:08
